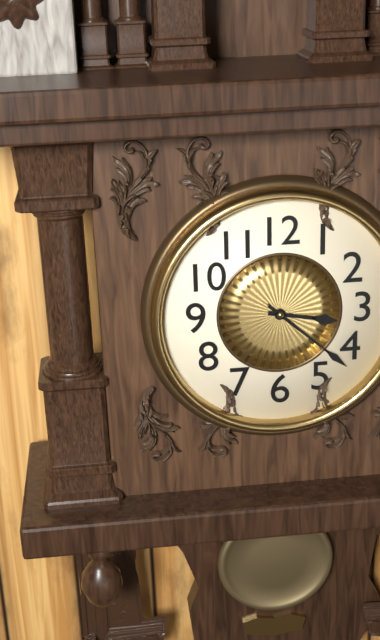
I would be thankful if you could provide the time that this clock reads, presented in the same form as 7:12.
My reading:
3:22
